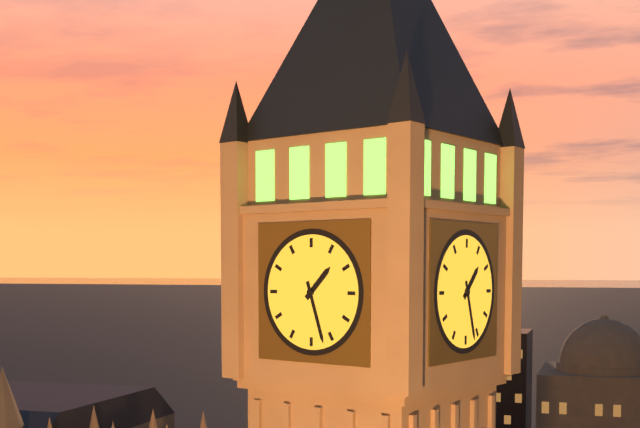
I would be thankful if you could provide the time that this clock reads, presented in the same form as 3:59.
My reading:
1:27
